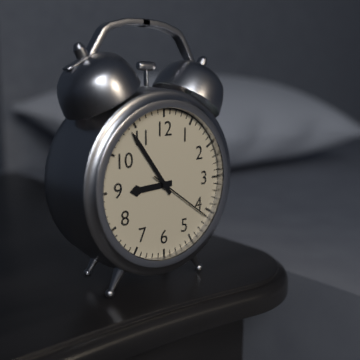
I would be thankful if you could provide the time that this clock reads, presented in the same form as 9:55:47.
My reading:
8:54:21
